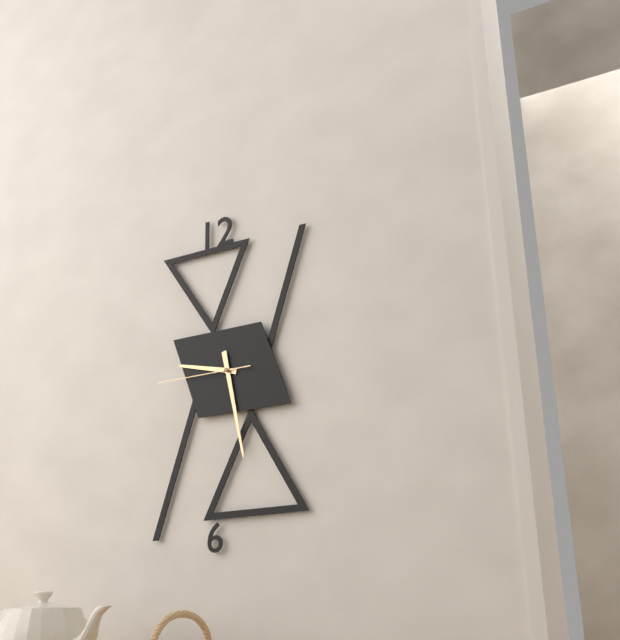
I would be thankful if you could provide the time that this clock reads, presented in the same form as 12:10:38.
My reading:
9:28:45
